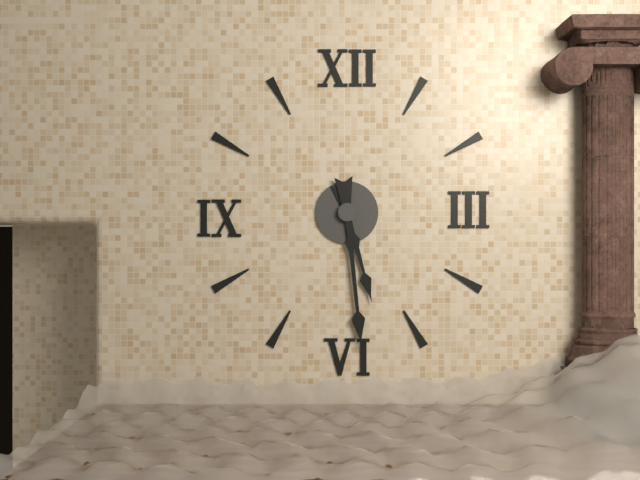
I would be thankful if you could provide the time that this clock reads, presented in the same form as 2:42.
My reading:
5:29
